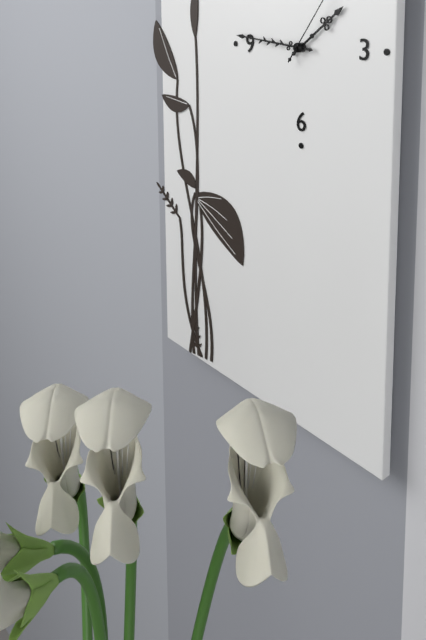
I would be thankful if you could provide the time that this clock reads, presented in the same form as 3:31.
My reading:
1:46
